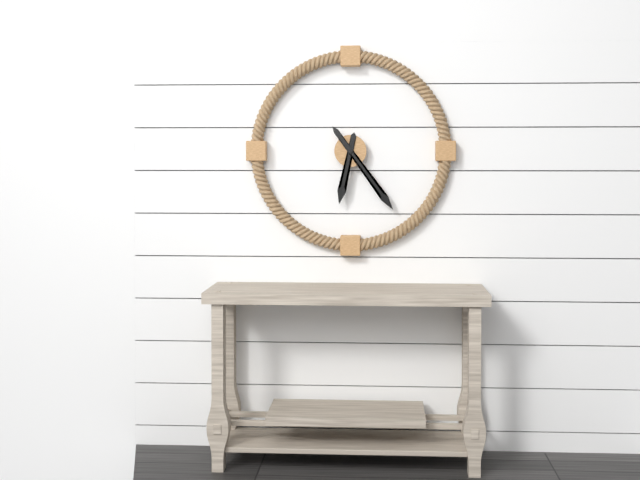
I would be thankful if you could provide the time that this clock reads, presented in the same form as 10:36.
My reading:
6:24
